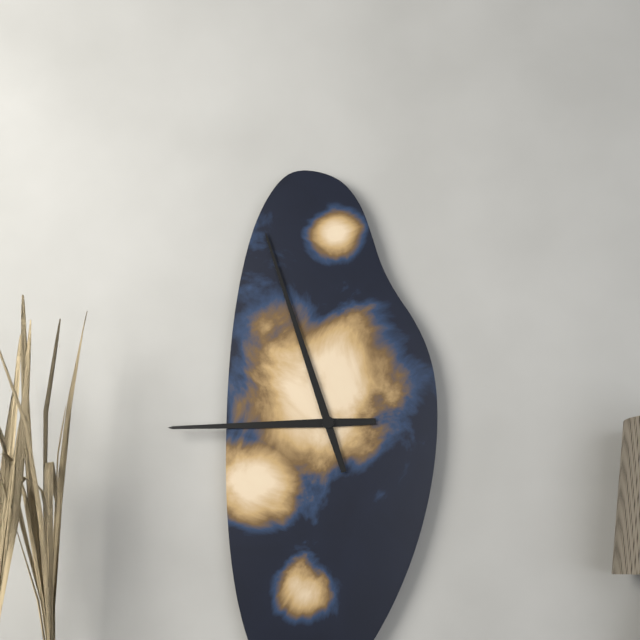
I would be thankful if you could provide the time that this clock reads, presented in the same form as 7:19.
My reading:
8:57
